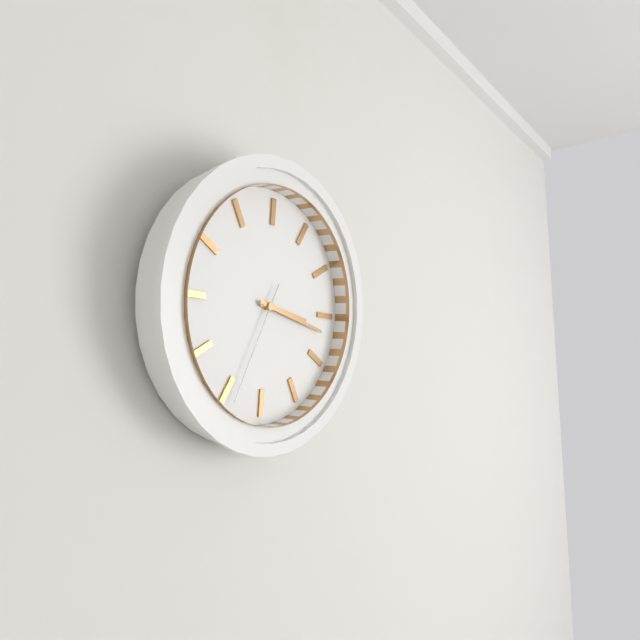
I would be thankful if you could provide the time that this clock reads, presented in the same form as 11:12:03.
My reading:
3:17:34
